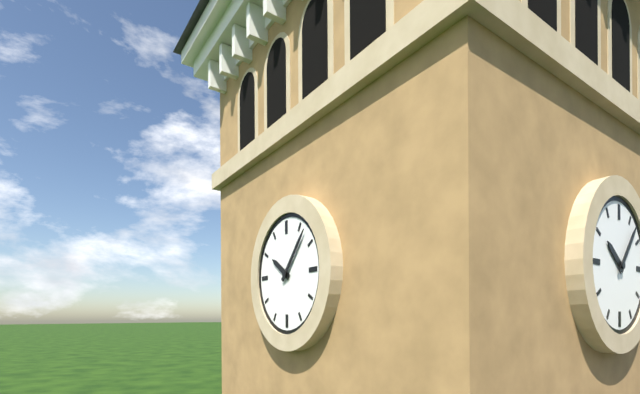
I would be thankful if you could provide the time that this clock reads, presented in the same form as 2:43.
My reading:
10:07
